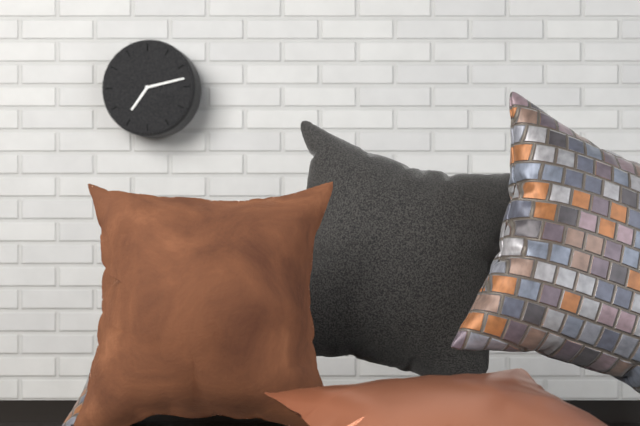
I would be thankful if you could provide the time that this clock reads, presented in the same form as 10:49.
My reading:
7:13
